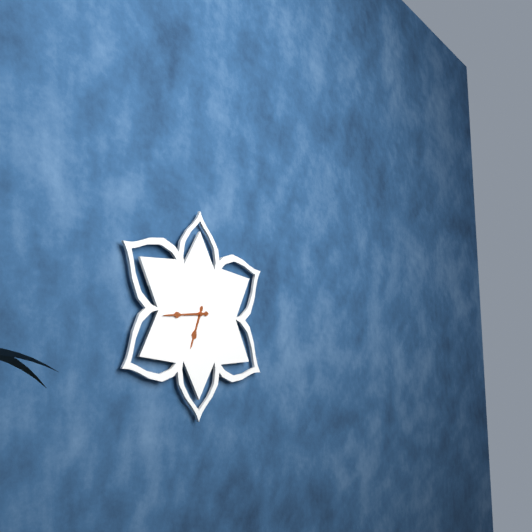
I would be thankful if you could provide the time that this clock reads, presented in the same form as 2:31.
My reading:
6:44
